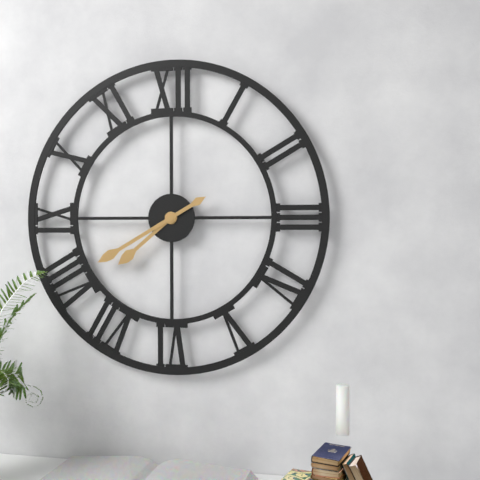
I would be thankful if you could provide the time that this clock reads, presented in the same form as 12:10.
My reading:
7:40
